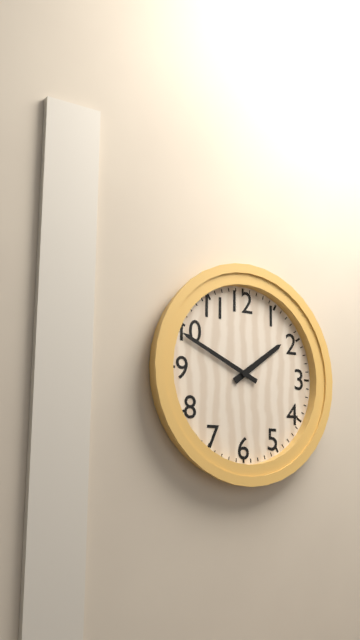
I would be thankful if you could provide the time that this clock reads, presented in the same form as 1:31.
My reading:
1:49
